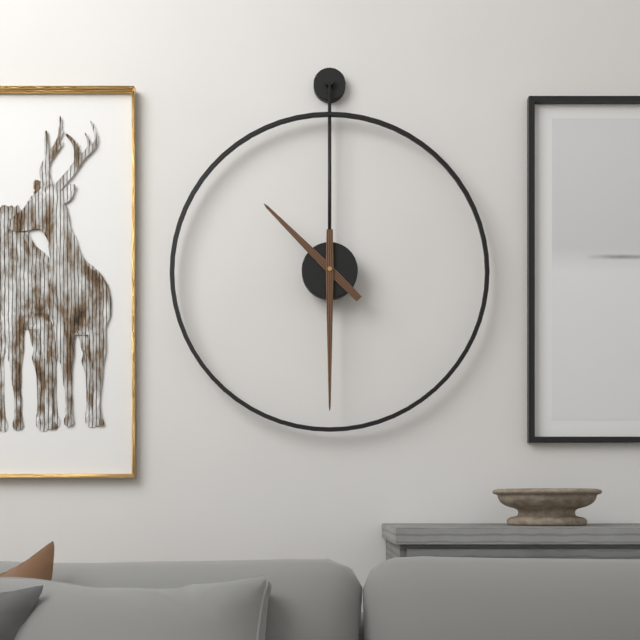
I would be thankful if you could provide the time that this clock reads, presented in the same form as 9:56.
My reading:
10:30
